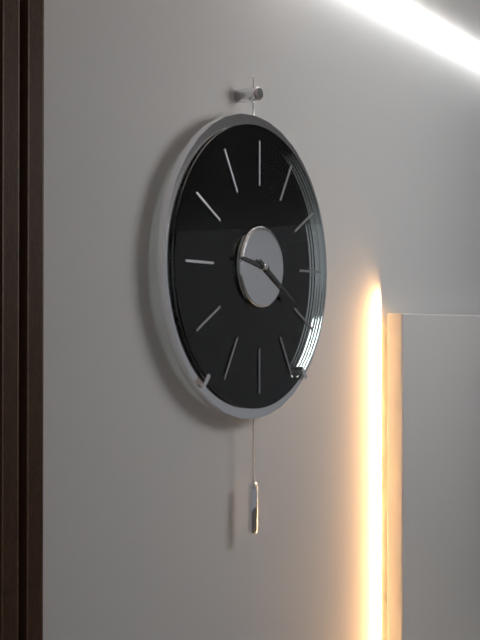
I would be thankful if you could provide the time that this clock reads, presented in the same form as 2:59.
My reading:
9:20
